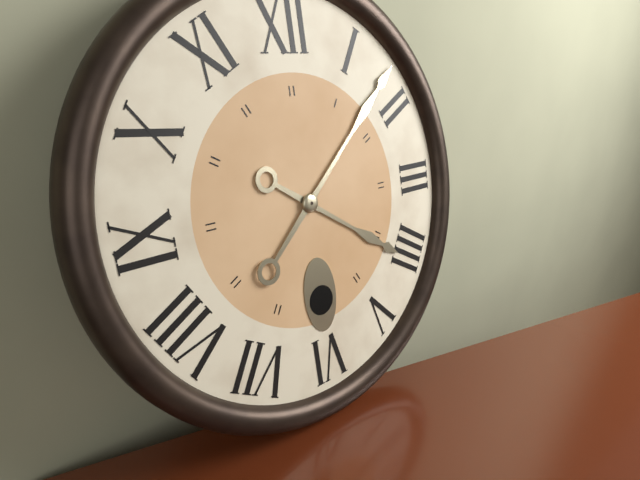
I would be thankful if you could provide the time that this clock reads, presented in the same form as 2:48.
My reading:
4:08
